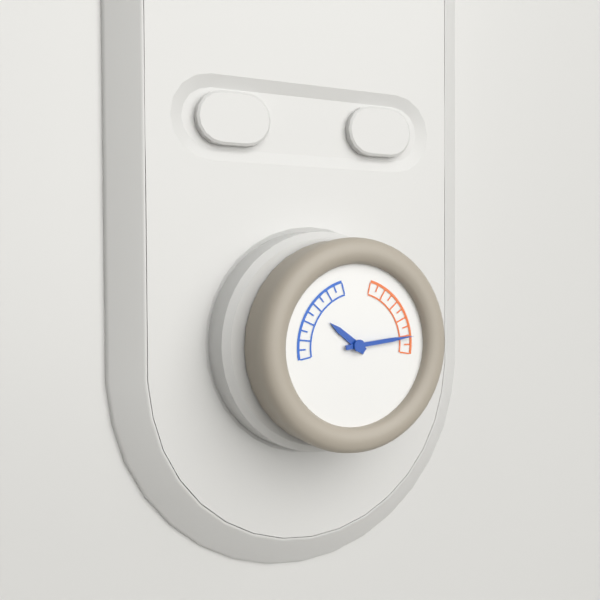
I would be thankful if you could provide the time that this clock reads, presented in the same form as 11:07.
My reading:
10:14
